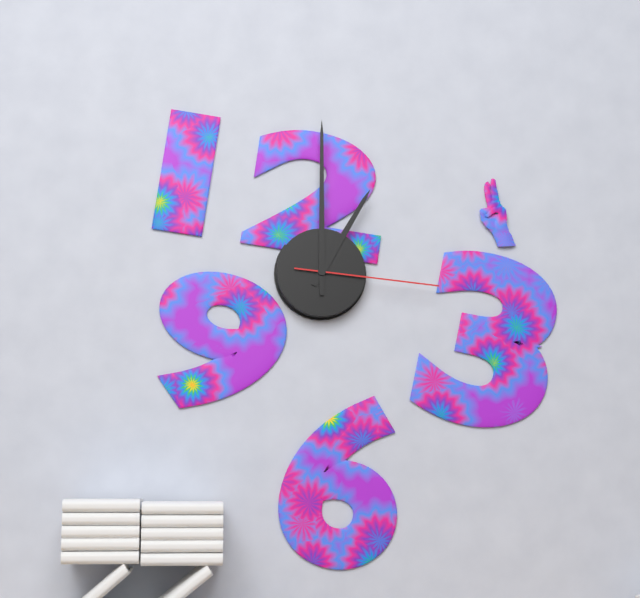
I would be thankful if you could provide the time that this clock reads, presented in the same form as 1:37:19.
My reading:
1:00:16
